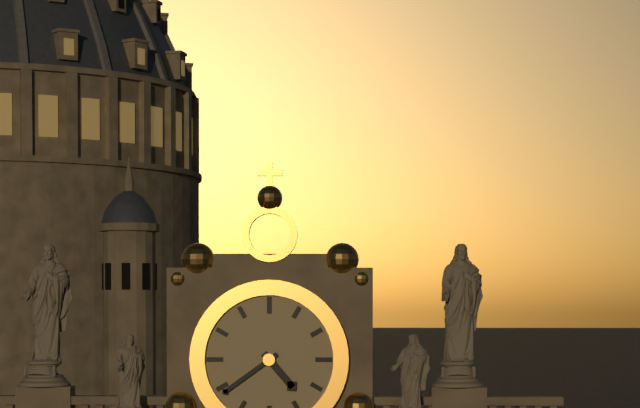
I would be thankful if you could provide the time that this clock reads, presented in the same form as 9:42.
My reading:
4:39
